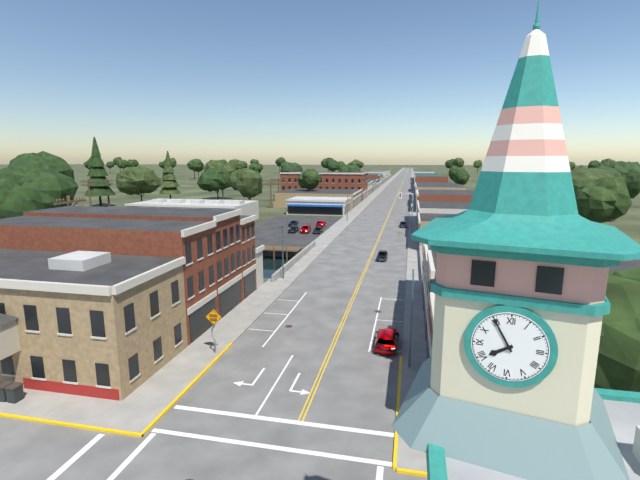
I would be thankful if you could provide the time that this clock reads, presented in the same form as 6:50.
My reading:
7:55
